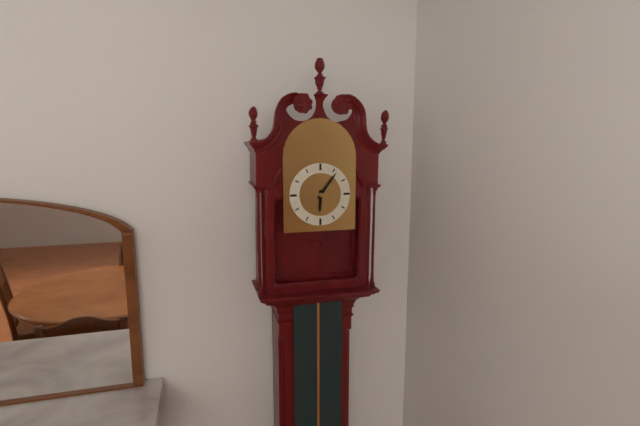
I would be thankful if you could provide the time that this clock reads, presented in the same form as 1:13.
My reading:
6:06
